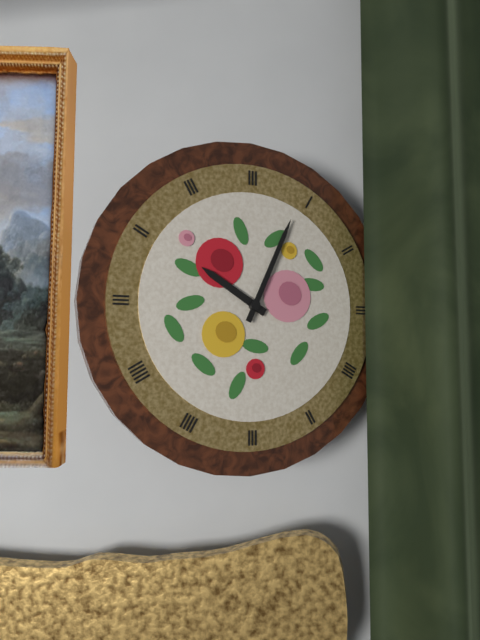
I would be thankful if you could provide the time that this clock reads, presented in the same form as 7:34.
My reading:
10:04
